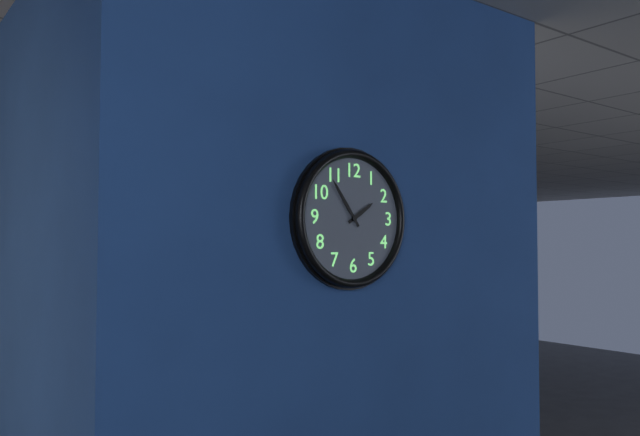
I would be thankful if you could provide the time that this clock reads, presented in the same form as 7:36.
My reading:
1:54
